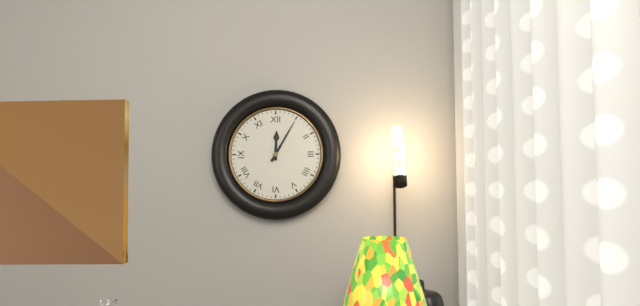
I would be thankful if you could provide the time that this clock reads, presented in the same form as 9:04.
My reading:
12:05
